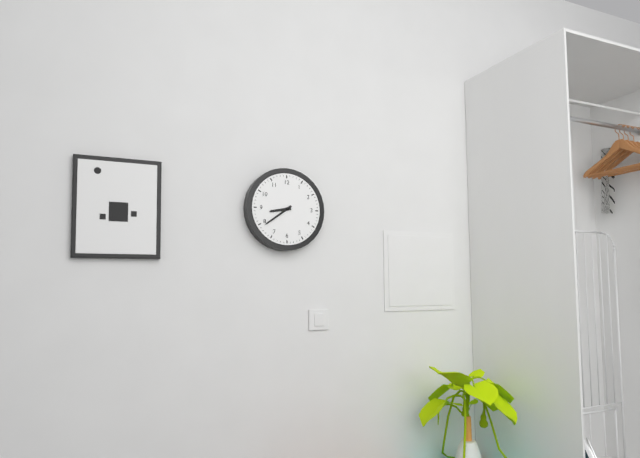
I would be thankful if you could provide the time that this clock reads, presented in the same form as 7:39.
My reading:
8:39
